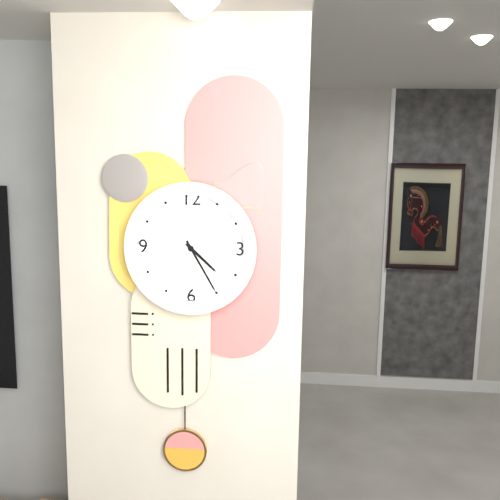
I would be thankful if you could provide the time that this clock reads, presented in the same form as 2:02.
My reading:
4:25
